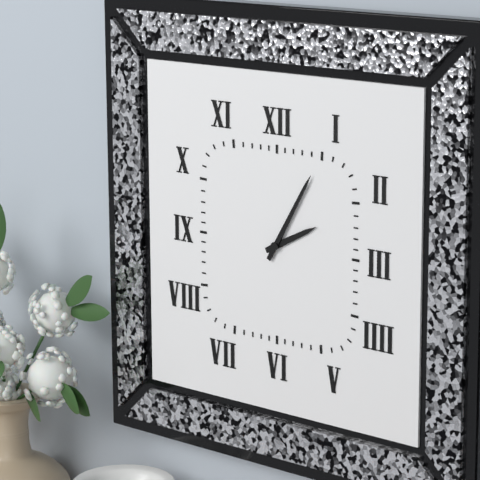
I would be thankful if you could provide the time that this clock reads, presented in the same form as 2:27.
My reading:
2:05
